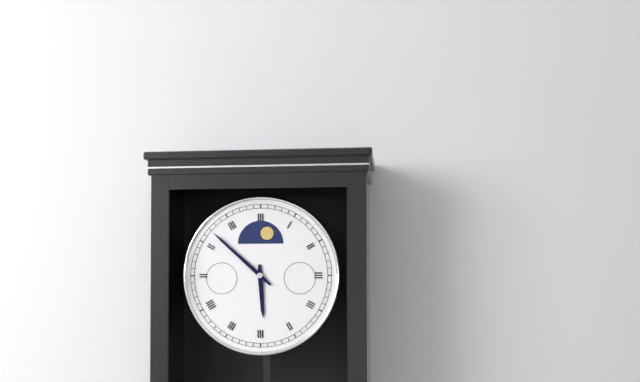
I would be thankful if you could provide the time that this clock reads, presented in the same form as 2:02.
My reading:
5:52
